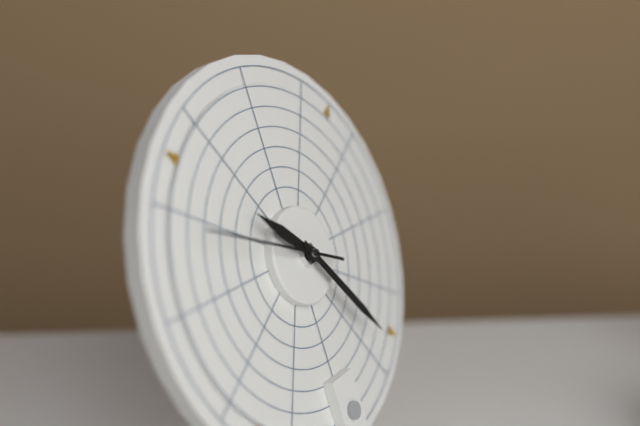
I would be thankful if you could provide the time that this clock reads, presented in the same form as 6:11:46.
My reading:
10:24:49
